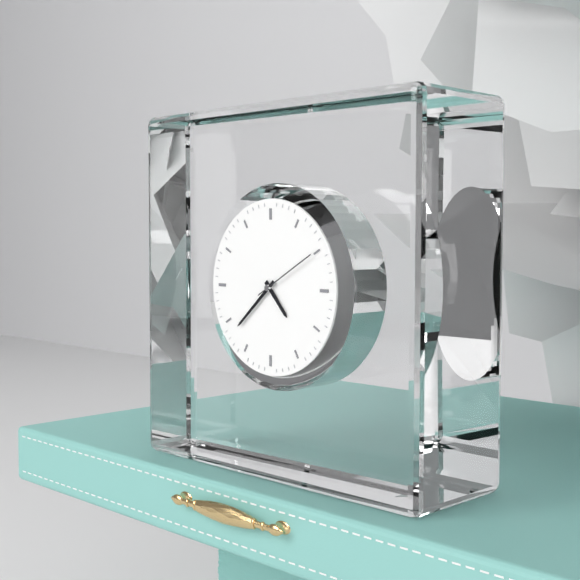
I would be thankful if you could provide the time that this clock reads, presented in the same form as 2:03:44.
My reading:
4:38:10
